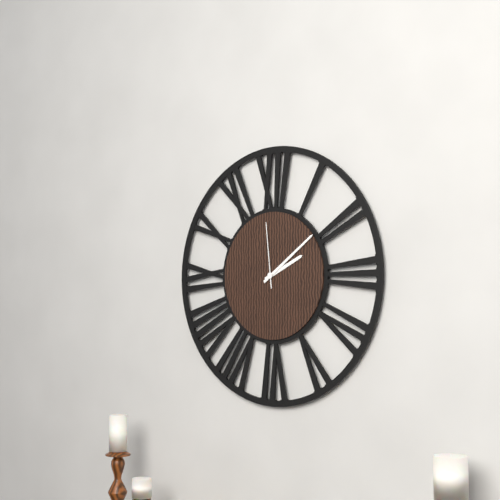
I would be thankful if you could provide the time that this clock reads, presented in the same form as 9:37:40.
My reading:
2:09:59
